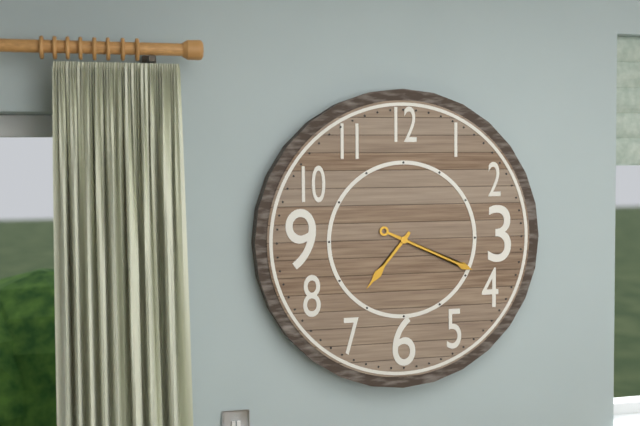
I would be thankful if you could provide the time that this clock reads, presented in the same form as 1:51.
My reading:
7:19
